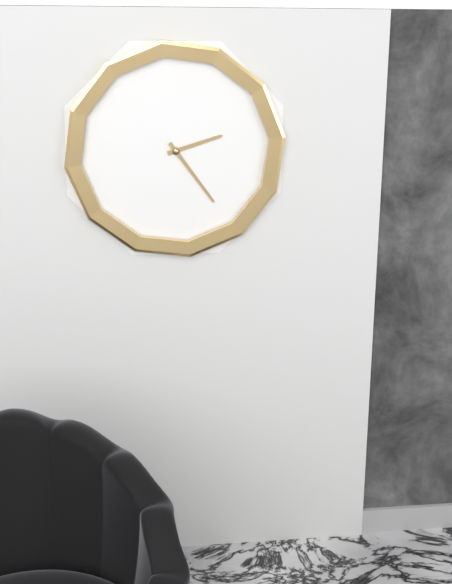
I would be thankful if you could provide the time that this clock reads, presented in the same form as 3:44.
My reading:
2:24
